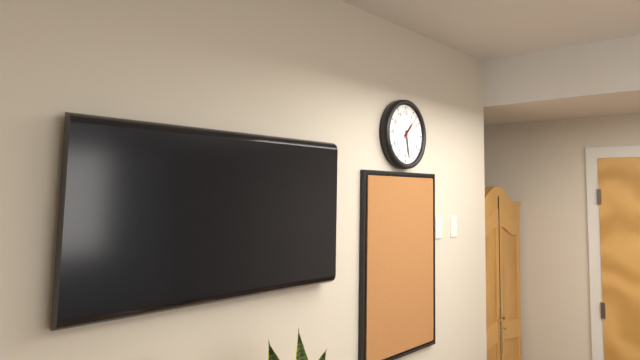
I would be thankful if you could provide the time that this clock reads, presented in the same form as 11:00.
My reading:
1:28
